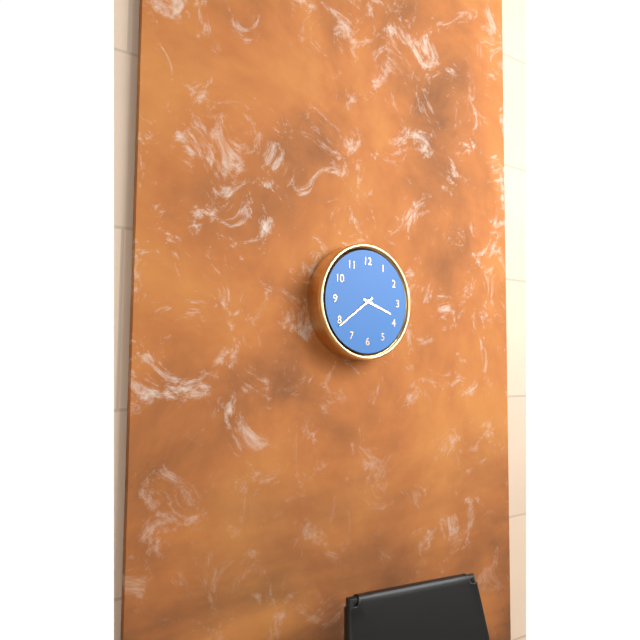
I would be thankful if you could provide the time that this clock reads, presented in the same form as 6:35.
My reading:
3:39
